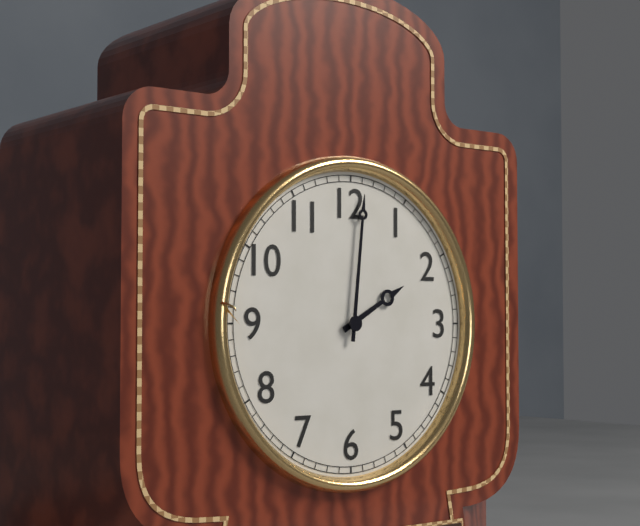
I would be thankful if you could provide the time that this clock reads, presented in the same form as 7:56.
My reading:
2:01
